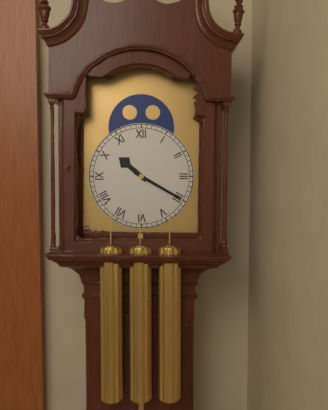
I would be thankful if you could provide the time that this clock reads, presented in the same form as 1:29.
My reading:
10:20
